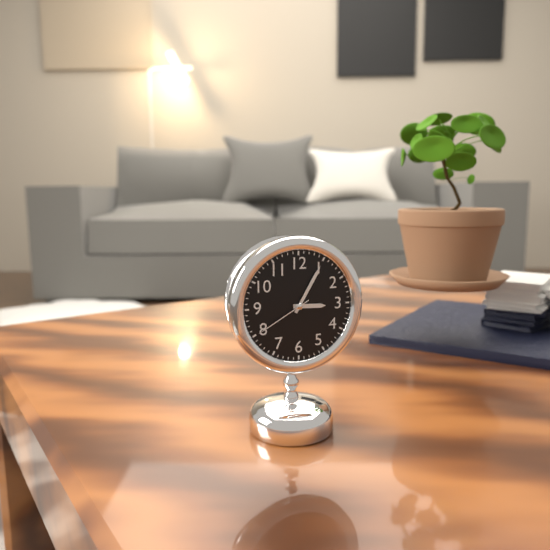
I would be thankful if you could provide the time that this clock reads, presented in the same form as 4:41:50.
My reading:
3:05:40
